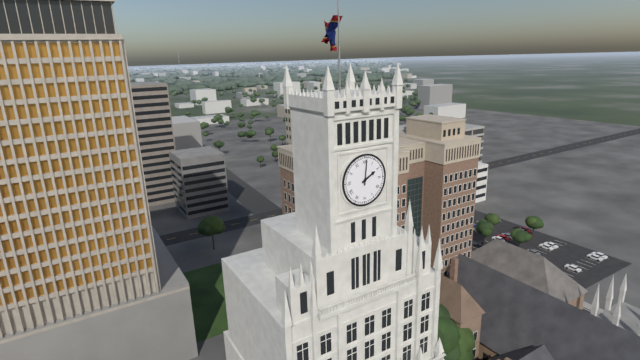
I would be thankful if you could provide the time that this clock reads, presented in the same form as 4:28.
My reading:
2:01
